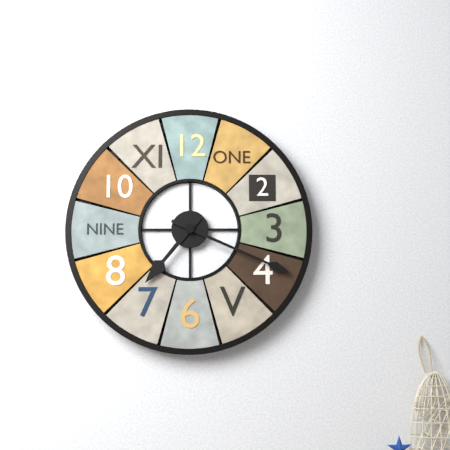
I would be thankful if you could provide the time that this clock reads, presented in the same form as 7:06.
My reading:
7:19
